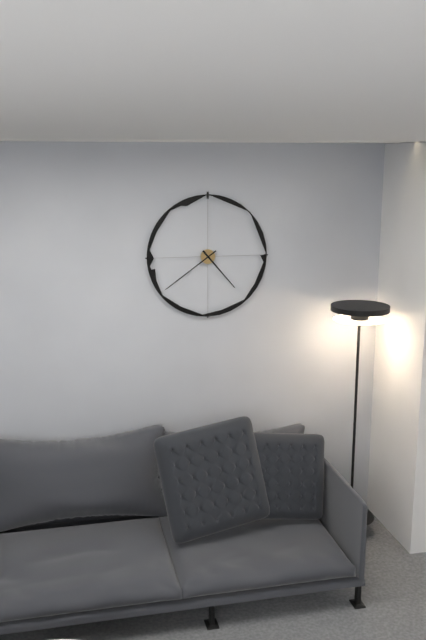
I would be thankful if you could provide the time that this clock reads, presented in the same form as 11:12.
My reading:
4:39
